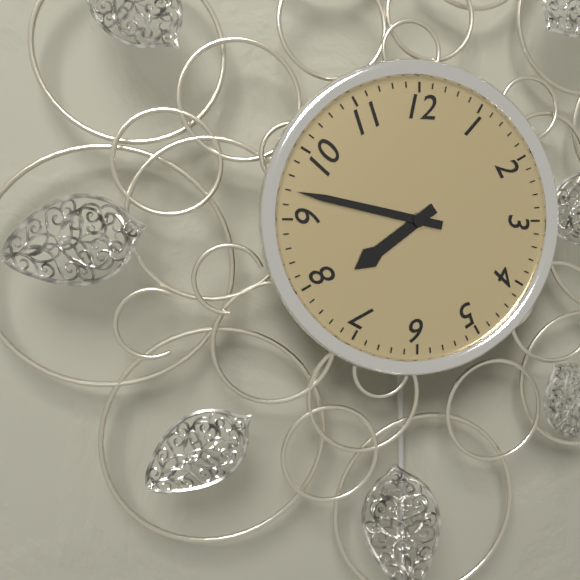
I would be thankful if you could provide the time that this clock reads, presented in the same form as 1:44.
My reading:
7:47
